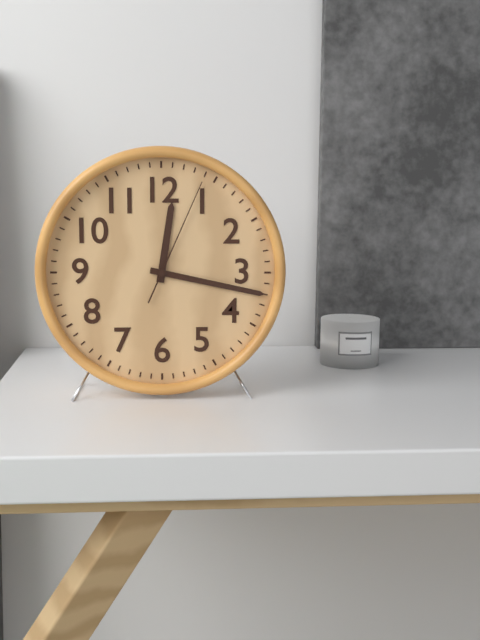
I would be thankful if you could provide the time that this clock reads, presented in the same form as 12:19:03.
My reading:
12:17:04
